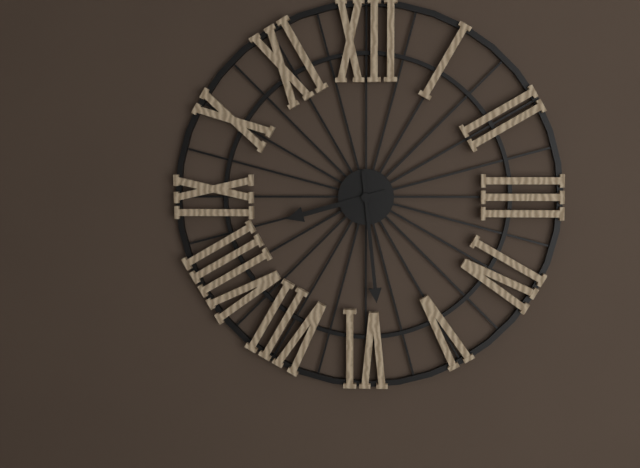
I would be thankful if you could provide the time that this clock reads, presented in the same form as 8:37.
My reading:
8:29
